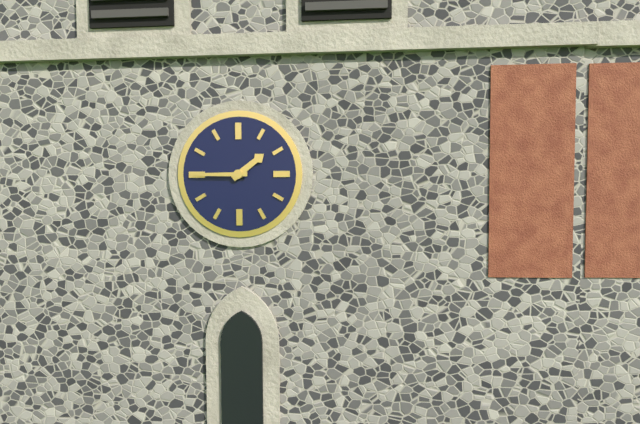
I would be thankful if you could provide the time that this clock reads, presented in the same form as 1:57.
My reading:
1:45
